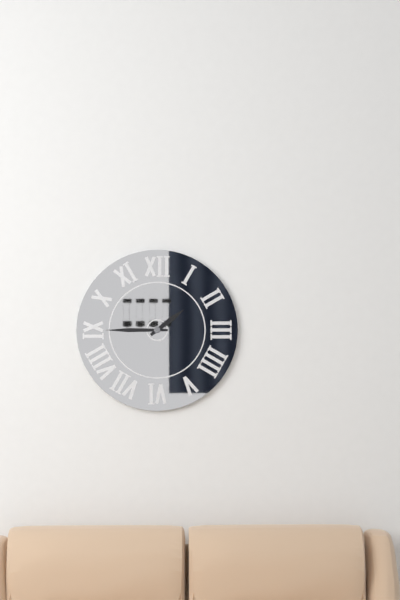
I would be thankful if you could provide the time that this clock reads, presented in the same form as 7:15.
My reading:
1:45
